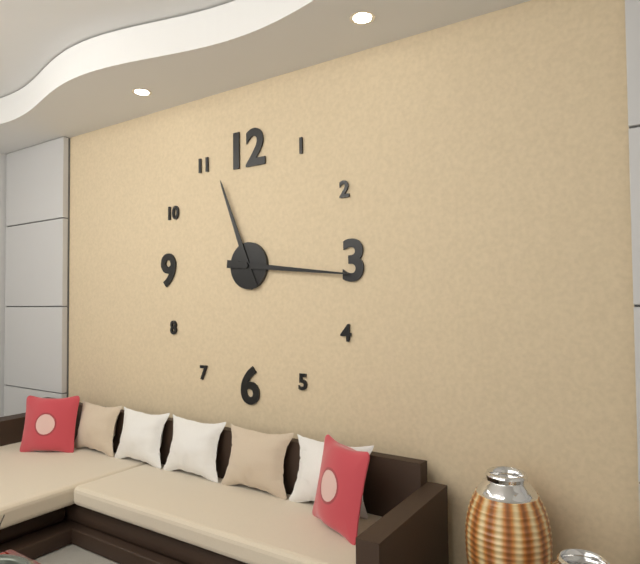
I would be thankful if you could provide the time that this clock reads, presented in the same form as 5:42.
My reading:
11:16
